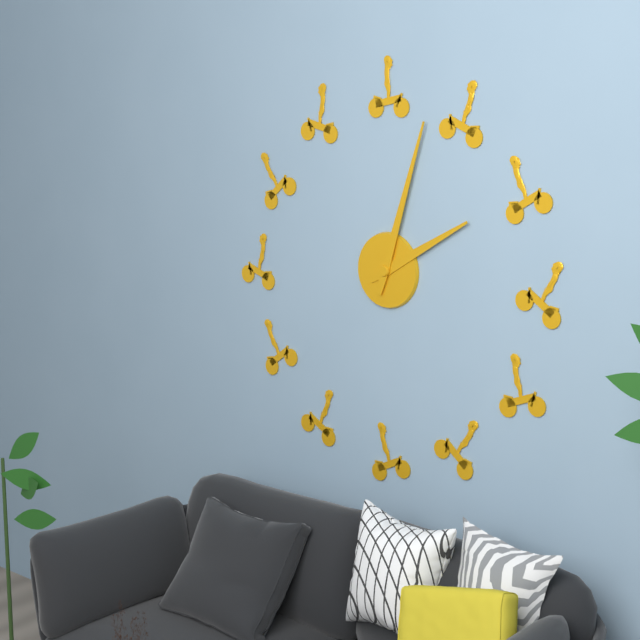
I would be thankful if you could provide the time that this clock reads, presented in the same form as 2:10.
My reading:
2:03
